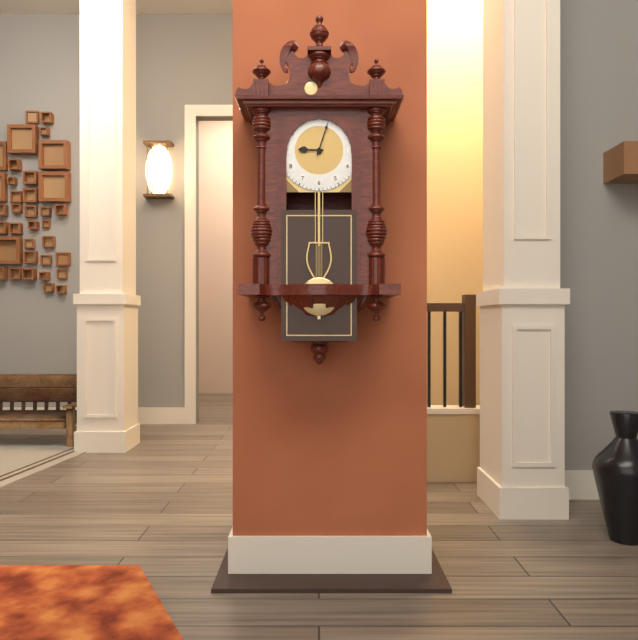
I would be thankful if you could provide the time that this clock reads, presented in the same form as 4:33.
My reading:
9:03
